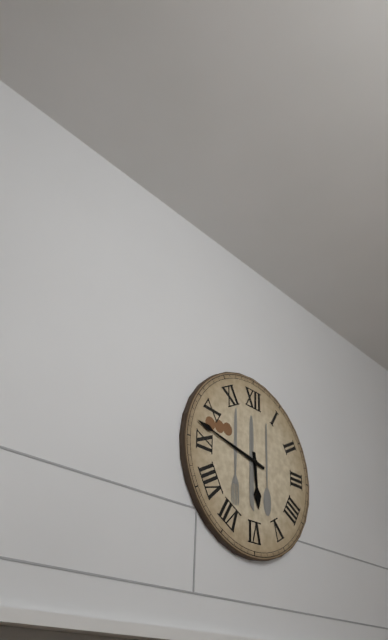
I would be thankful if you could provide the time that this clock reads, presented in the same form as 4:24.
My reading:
5:47
